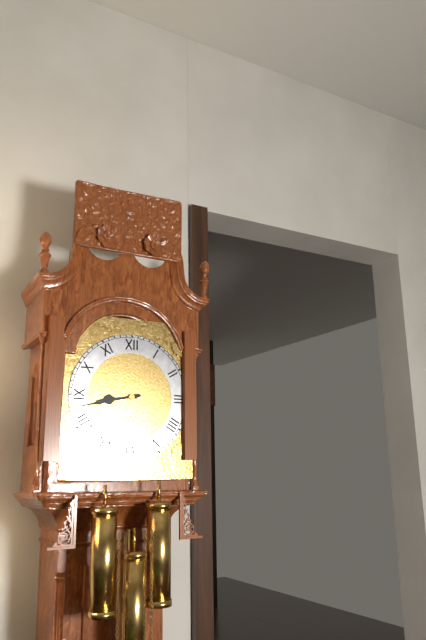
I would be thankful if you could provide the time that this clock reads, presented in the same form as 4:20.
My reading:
8:43
